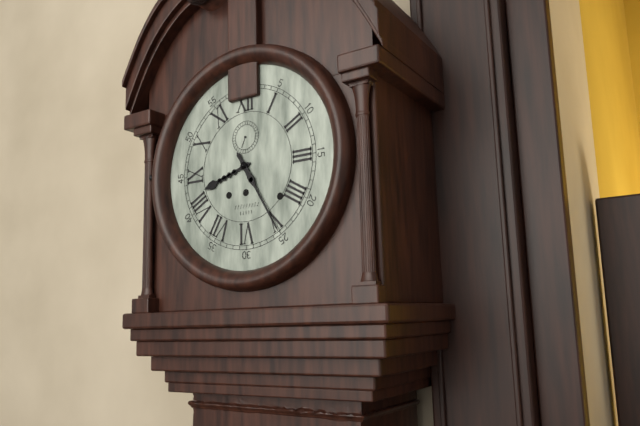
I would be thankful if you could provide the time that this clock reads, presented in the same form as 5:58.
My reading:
8:25
